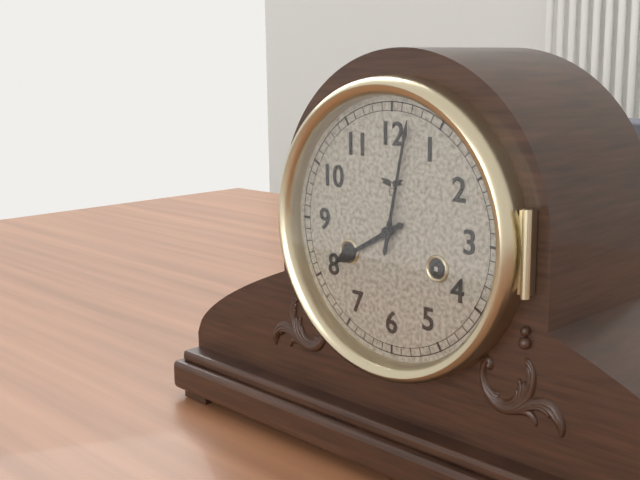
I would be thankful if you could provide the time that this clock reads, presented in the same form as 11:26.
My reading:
8:02
